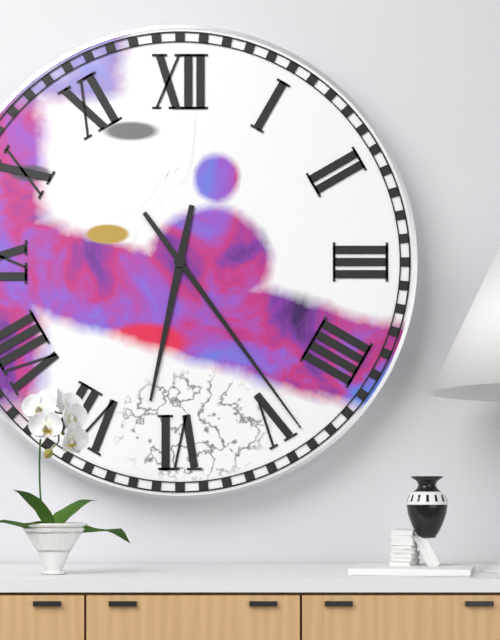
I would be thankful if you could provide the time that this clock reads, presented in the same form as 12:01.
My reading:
6:24
